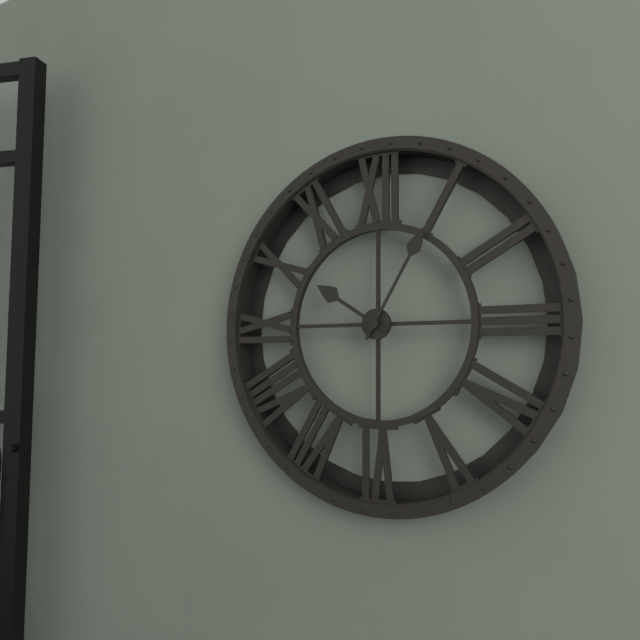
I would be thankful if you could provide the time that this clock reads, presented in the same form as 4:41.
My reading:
10:05
